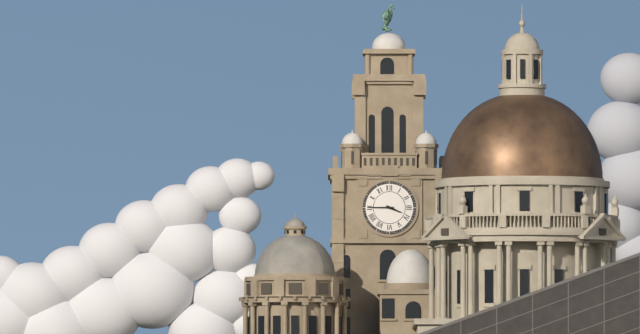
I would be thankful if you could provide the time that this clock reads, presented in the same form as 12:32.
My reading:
3:45
